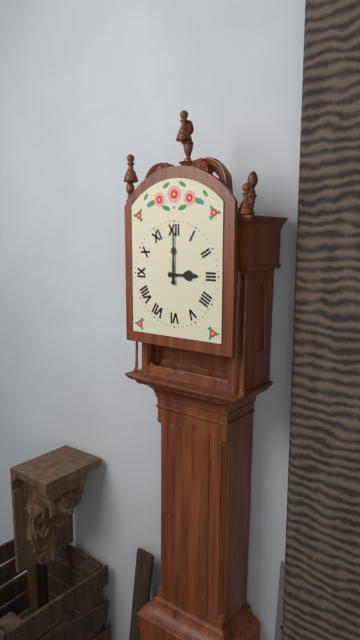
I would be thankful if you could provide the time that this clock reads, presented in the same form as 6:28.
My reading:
3:00
